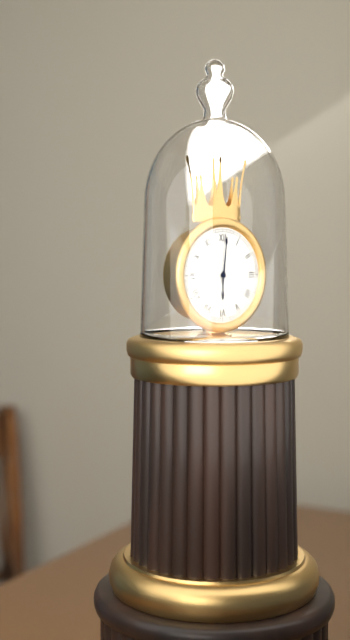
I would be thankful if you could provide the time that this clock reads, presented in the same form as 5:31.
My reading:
6:01
